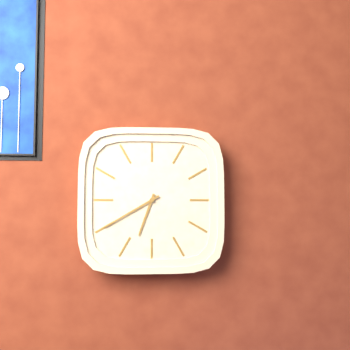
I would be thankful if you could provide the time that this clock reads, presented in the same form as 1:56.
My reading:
6:40
